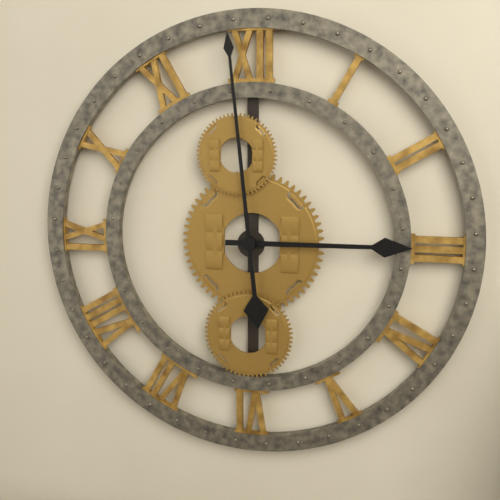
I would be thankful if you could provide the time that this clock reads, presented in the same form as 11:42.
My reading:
2:59
